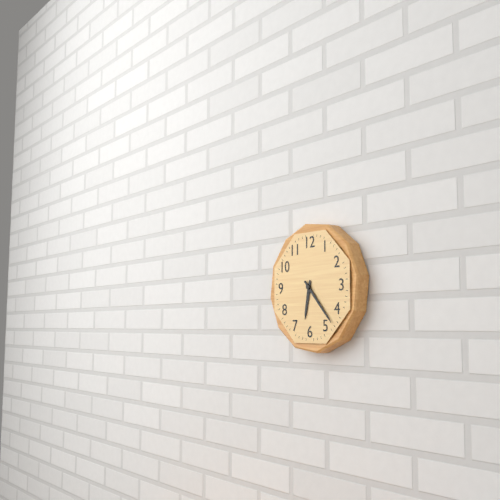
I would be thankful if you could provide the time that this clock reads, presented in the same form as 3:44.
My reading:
6:23
